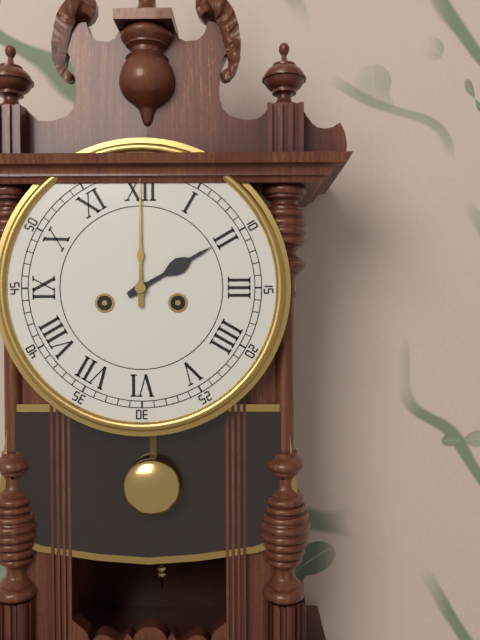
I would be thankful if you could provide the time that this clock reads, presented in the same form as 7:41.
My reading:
2:00
